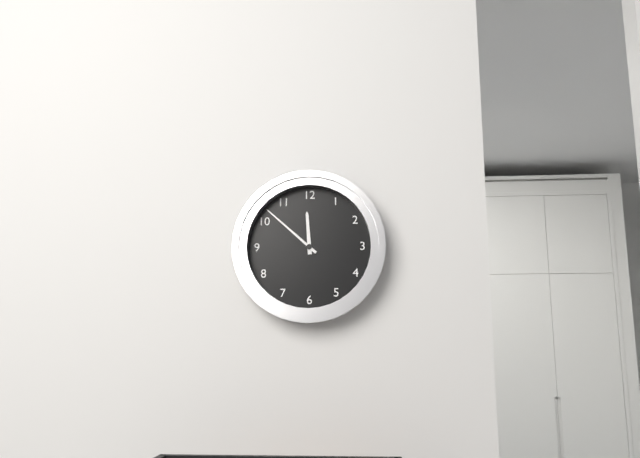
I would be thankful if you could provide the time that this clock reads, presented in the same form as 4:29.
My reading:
11:52
